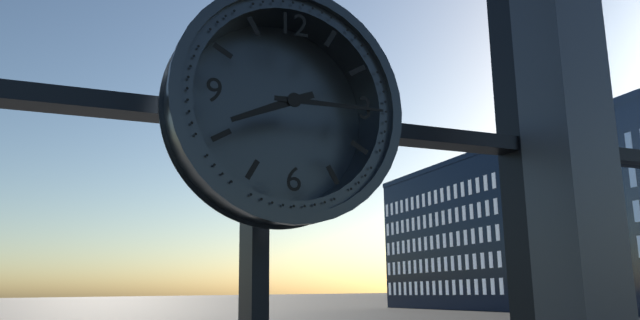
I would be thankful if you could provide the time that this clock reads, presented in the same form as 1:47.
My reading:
8:15
